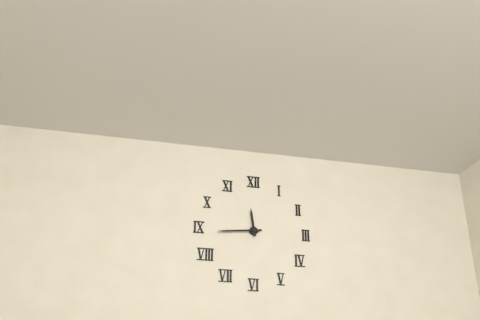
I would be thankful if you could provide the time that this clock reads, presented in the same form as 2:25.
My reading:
11:44
